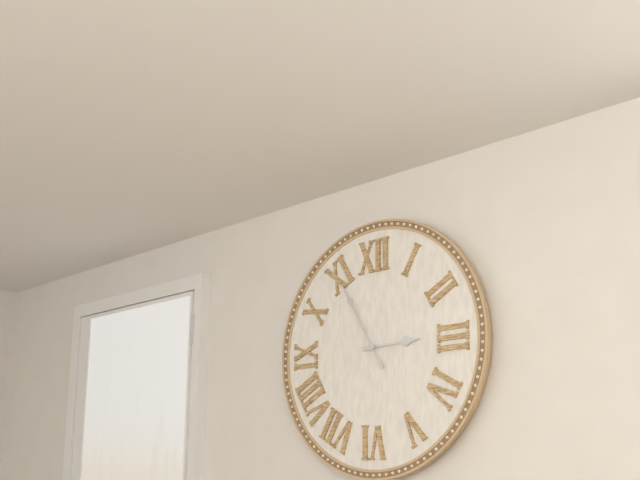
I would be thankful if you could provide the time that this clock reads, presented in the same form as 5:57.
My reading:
2:55
